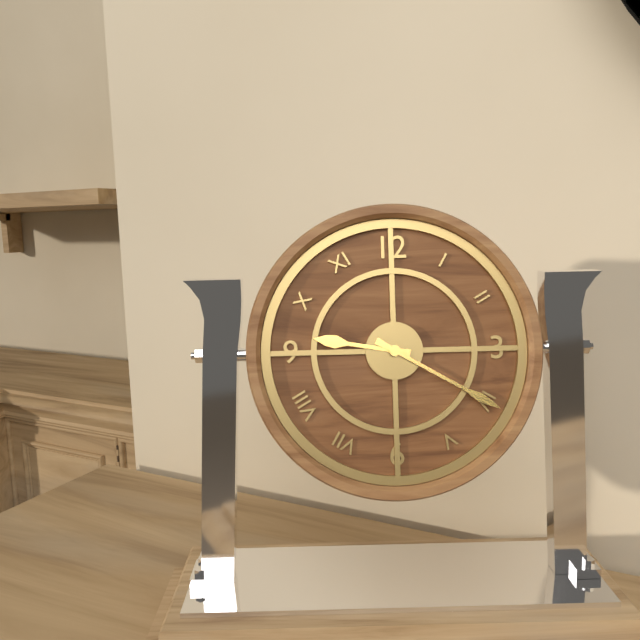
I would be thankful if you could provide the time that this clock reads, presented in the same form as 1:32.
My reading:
9:20
